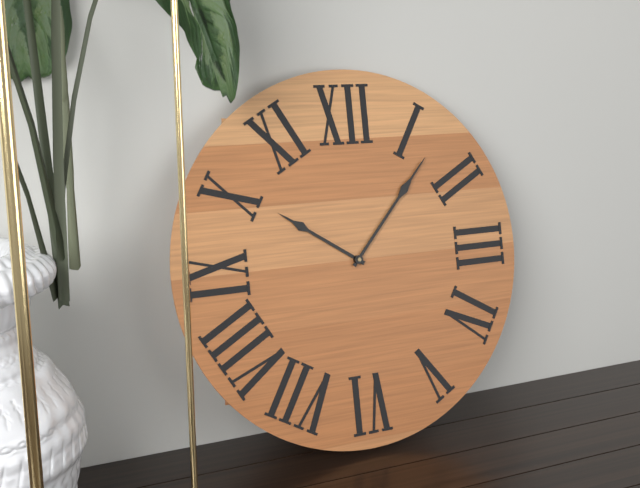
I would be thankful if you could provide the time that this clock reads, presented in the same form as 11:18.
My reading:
10:07
